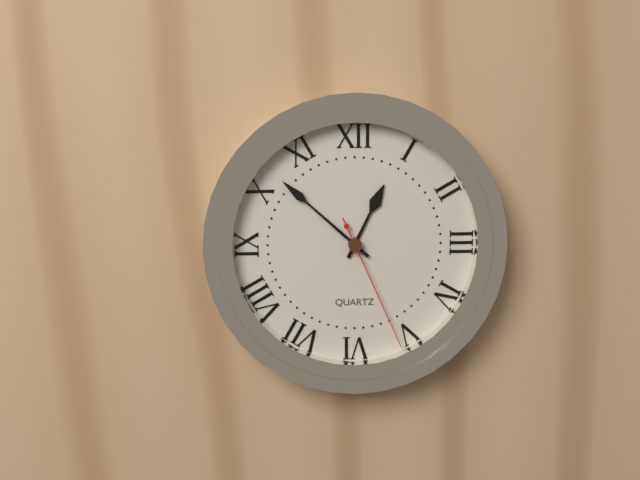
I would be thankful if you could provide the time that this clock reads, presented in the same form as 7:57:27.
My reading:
12:52:26
